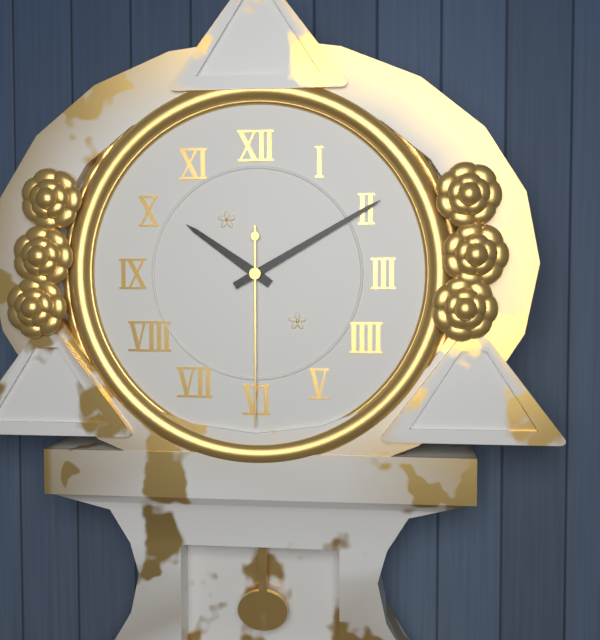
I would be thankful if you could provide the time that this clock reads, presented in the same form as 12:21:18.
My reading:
10:10:30
